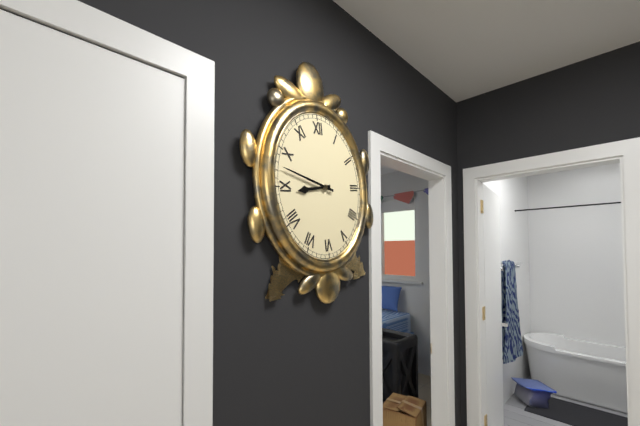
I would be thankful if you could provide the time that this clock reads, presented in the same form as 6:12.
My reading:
8:48
